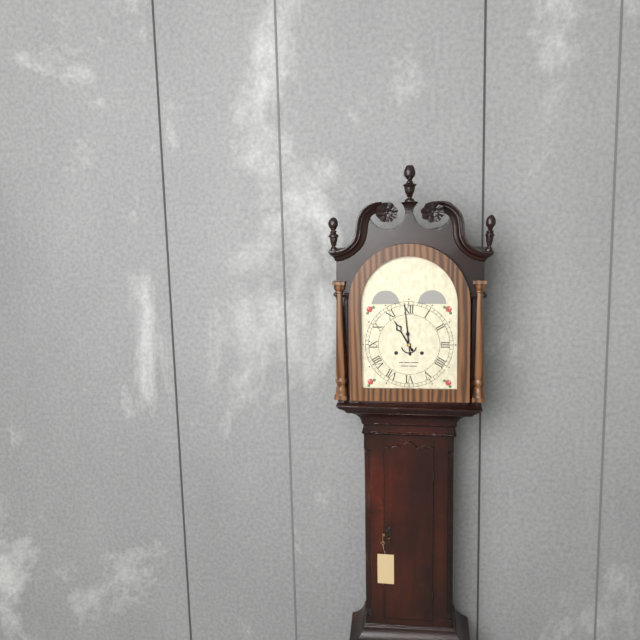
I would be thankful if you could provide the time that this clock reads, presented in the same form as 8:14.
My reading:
10:59
